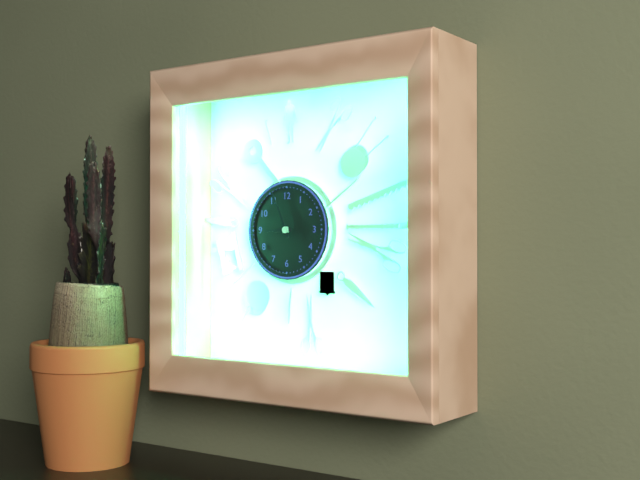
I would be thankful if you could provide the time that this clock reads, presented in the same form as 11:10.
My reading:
8:56
